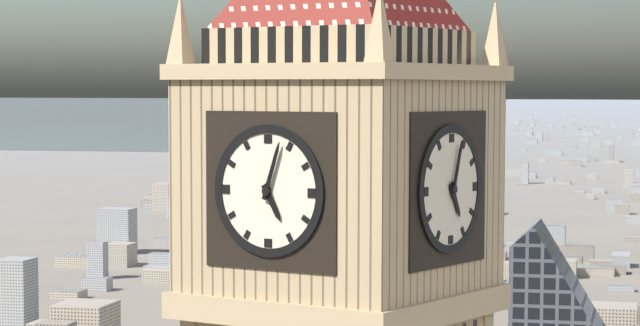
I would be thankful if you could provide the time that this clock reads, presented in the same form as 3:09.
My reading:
5:03
